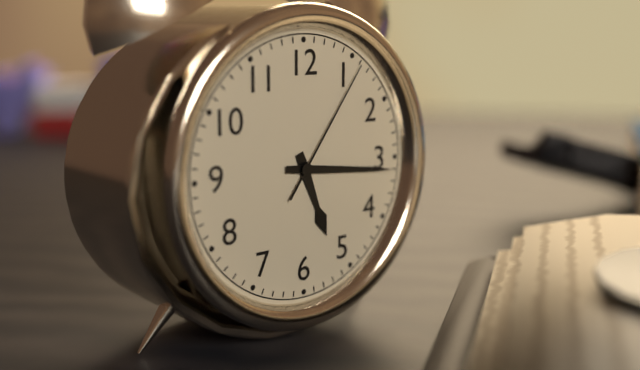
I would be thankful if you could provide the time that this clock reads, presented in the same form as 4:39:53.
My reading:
5:16:06
